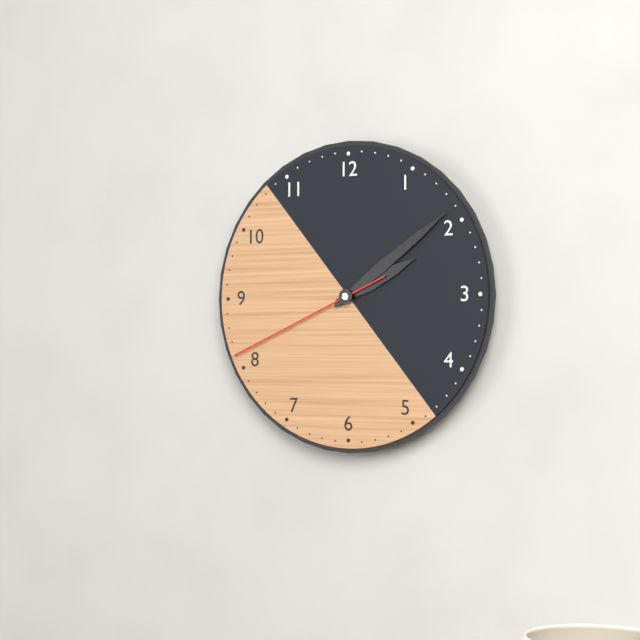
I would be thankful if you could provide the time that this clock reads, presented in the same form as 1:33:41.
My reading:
2:09:41
